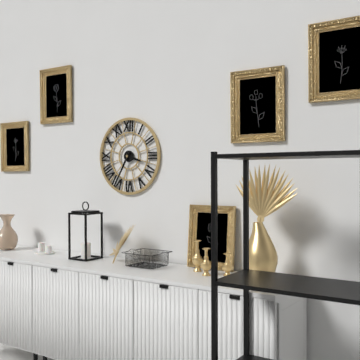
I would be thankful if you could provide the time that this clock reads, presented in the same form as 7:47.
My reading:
3:35
